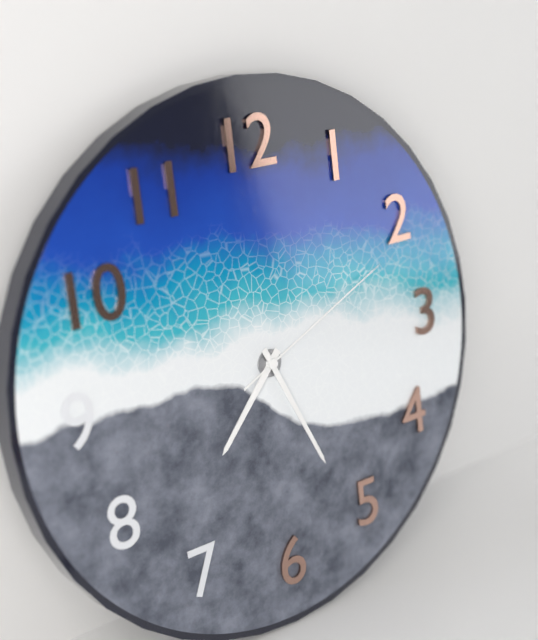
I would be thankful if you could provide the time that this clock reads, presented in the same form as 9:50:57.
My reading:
7:26:11
